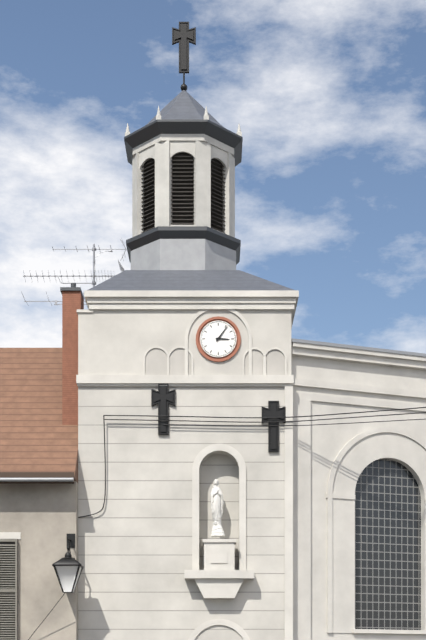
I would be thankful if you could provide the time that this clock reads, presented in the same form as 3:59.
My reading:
3:06
